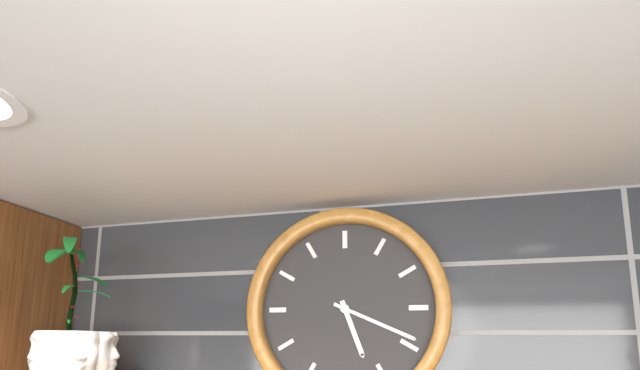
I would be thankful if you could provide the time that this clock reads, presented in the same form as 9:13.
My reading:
5:19
